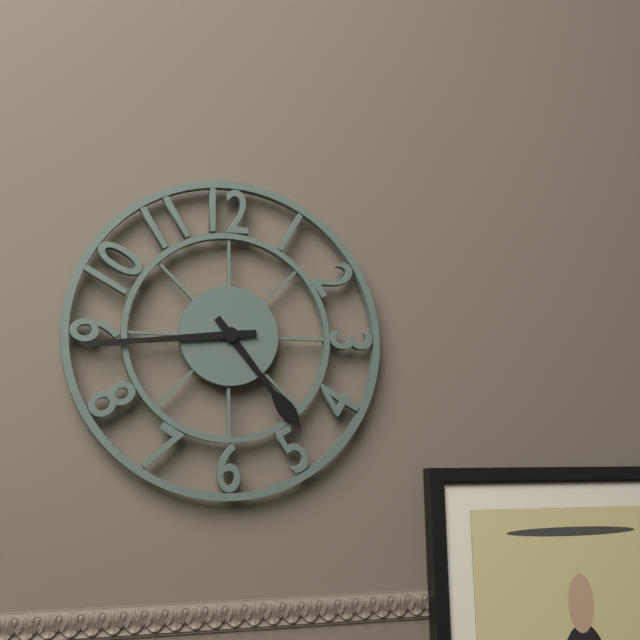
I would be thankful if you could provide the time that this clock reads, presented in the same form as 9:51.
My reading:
4:44
